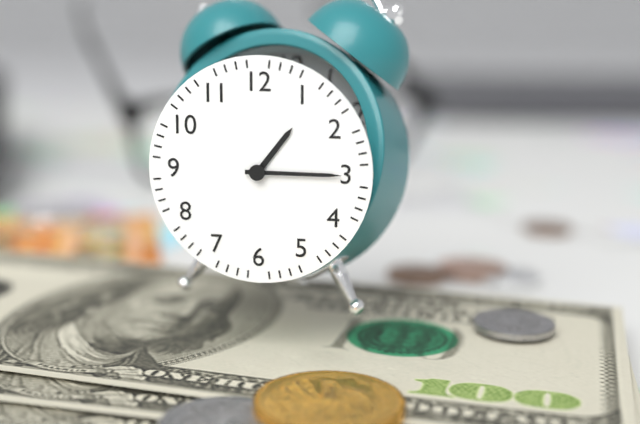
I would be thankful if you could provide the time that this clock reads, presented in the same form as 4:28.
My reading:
1:15
